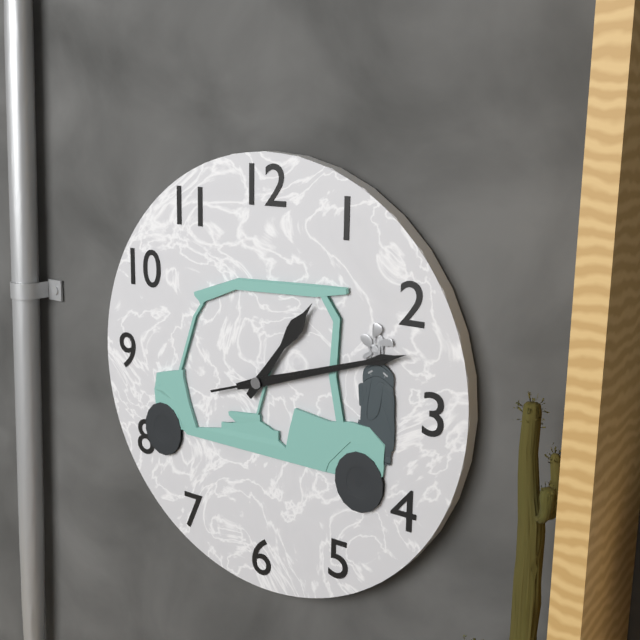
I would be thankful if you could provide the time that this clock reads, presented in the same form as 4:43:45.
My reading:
1:12:12
